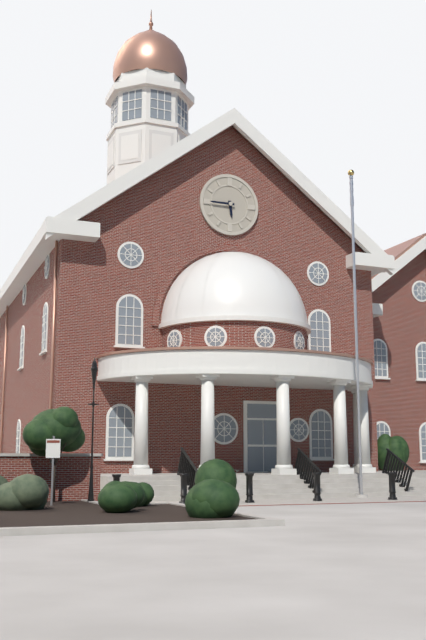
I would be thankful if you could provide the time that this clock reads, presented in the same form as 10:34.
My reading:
5:45
